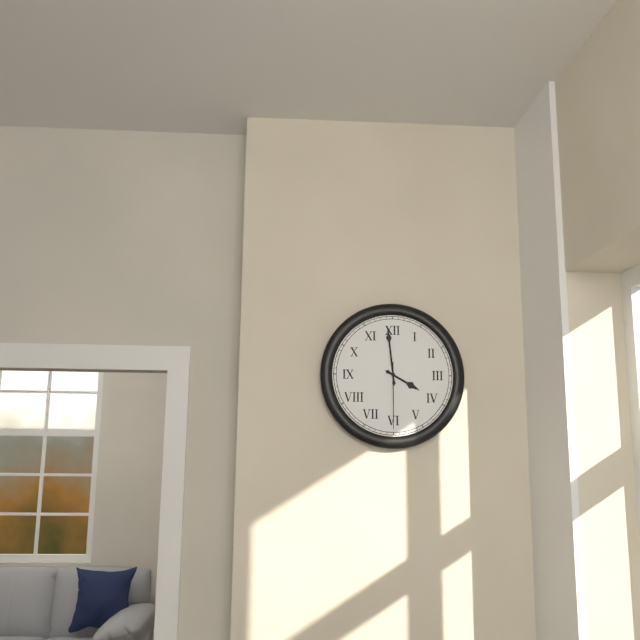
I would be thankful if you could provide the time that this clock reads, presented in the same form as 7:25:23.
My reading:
3:59:30
